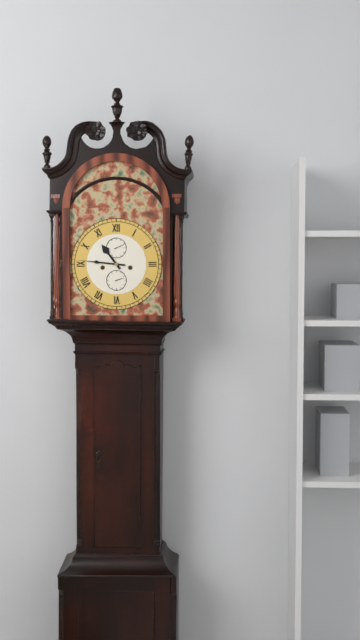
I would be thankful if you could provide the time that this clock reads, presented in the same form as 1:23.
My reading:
10:46
